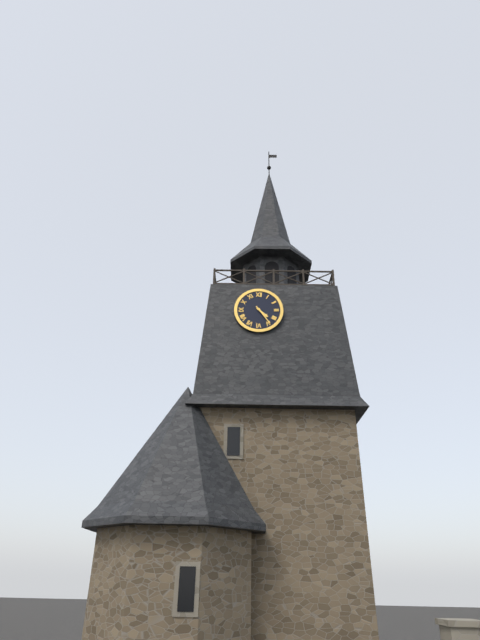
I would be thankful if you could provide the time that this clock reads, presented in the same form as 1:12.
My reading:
4:24
